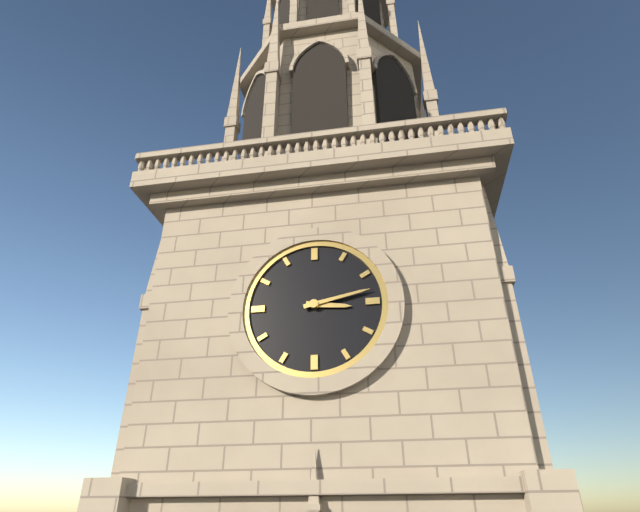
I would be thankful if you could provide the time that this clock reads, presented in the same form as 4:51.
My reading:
3:13
